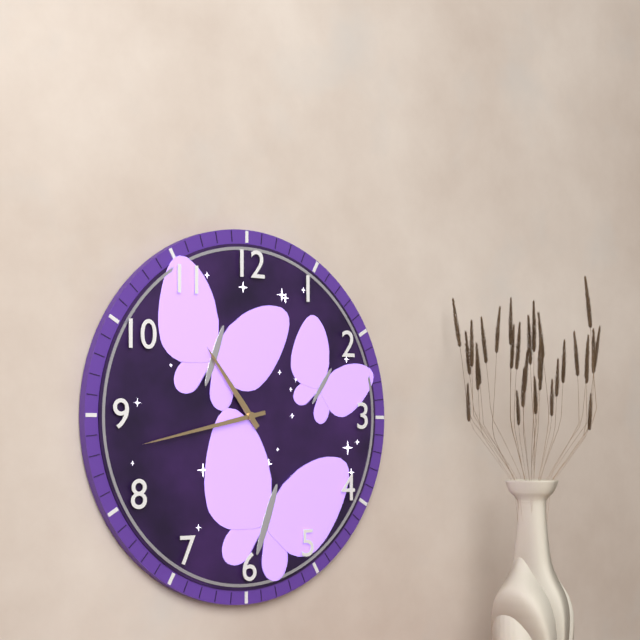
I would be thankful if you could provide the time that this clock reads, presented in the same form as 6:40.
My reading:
10:43
